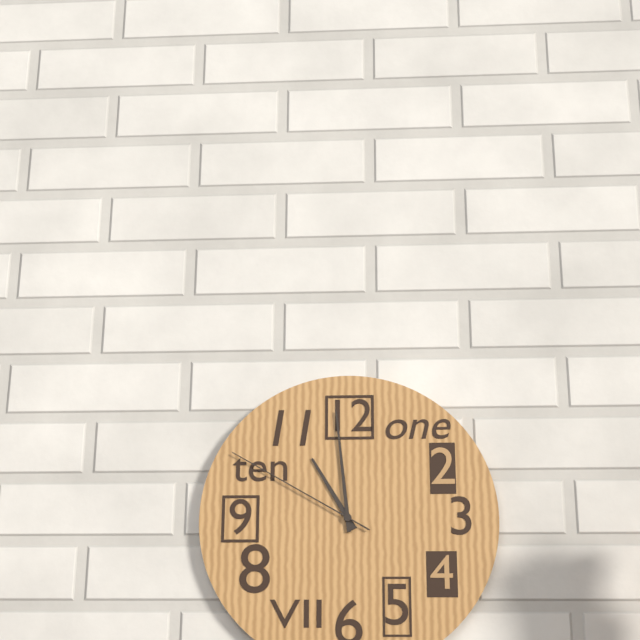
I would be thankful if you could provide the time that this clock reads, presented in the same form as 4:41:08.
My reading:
10:59:50
